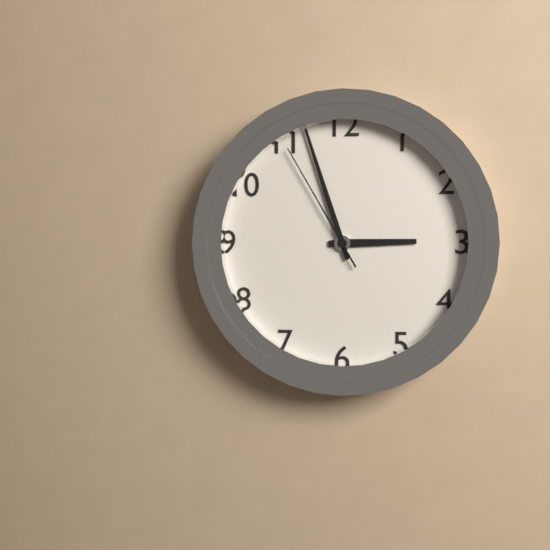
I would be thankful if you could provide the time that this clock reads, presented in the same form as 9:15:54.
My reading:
2:57:55
